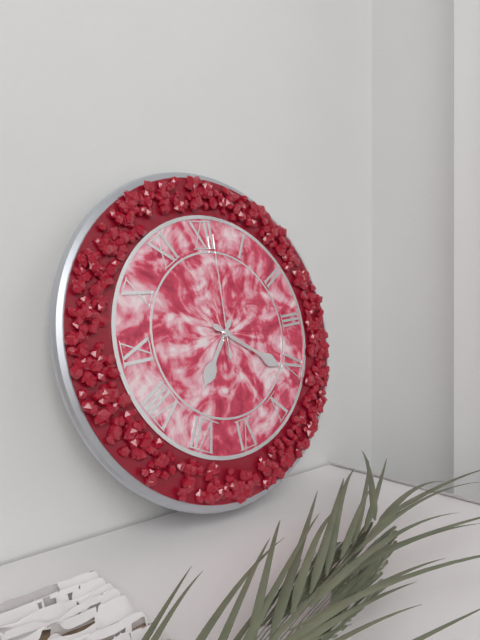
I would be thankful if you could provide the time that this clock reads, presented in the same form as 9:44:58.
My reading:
7:21:01
